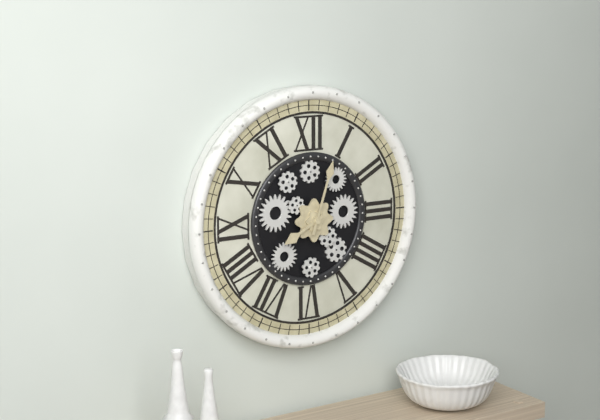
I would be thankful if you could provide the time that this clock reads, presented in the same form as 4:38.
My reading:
8:03
